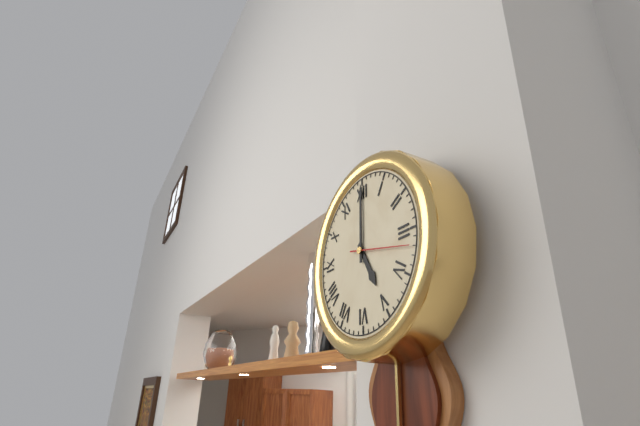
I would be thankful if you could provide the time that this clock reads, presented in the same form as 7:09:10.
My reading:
5:00:17
